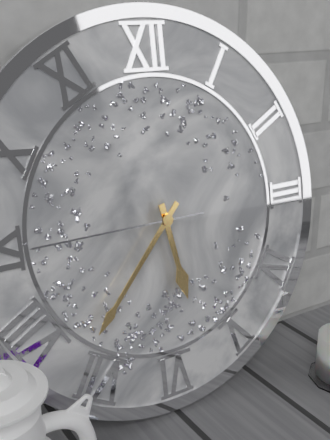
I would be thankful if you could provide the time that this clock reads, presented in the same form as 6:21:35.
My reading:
5:37:45
